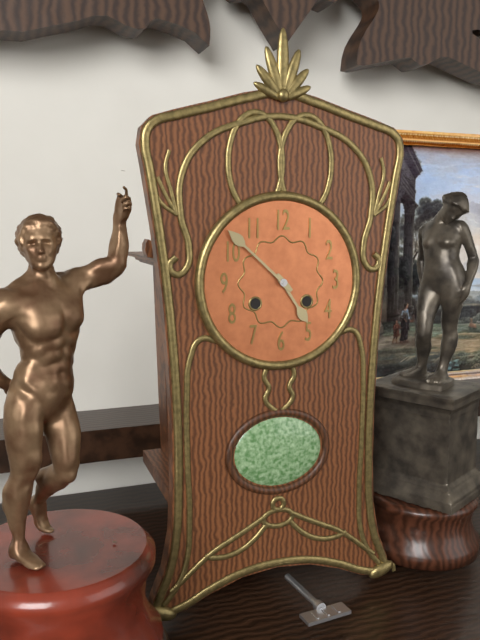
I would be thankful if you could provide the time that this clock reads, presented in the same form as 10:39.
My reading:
4:52
